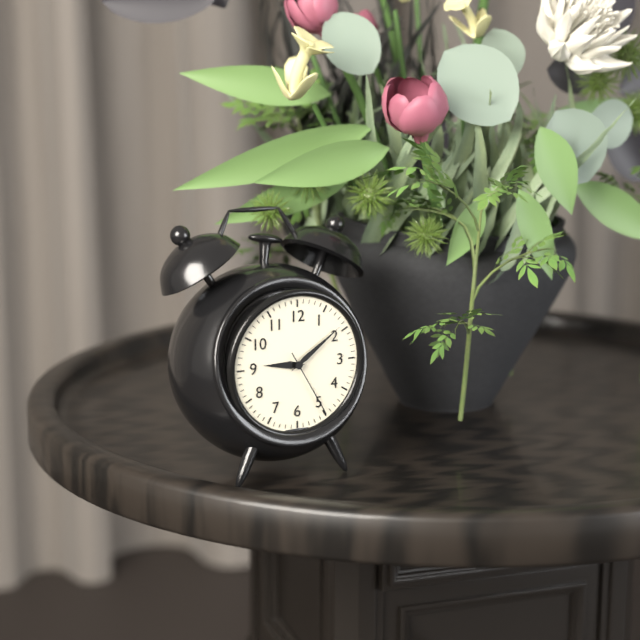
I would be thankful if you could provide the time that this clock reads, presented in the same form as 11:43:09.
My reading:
9:09:25
